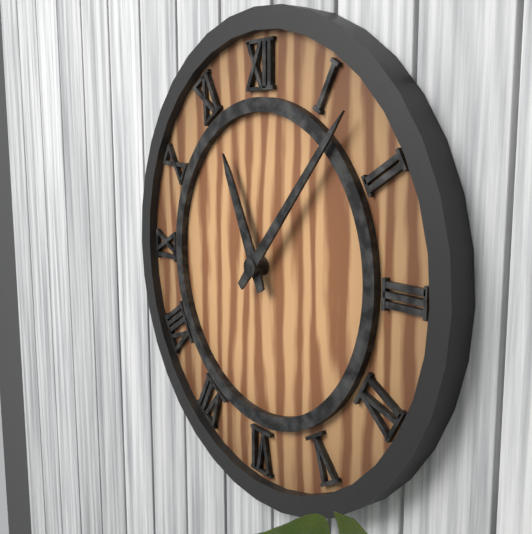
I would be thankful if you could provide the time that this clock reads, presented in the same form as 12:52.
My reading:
11:07
